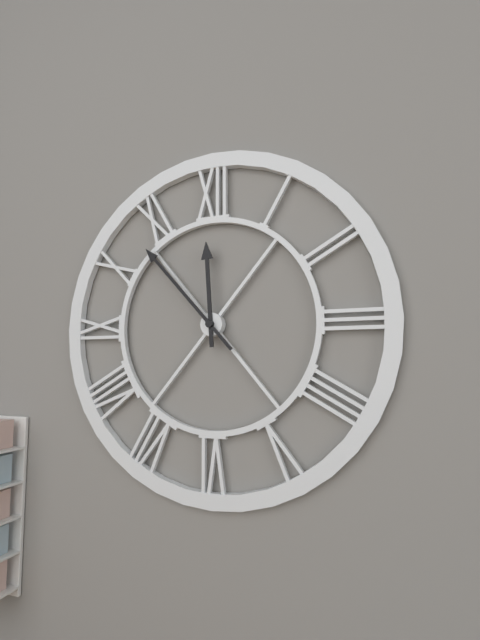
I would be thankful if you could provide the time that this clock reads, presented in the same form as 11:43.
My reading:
11:53
